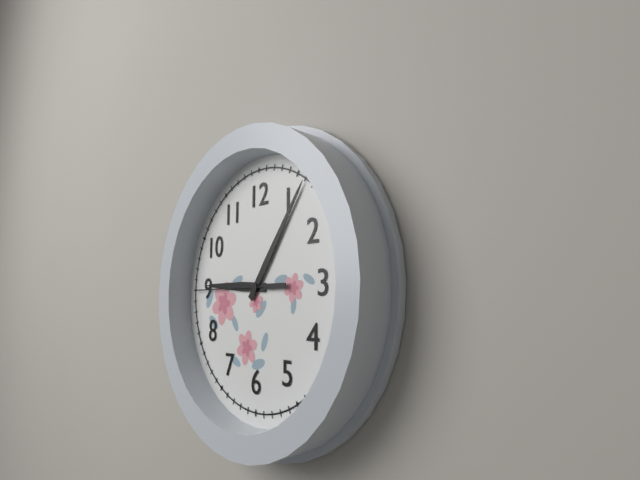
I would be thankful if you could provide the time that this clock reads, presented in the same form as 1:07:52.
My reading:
9:06:45
